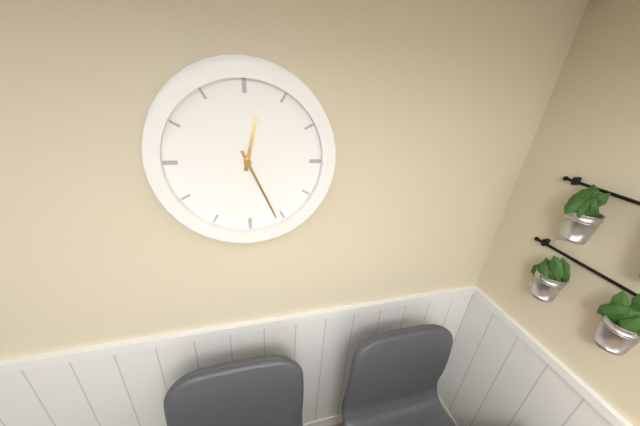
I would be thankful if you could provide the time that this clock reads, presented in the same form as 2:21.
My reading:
12:26
